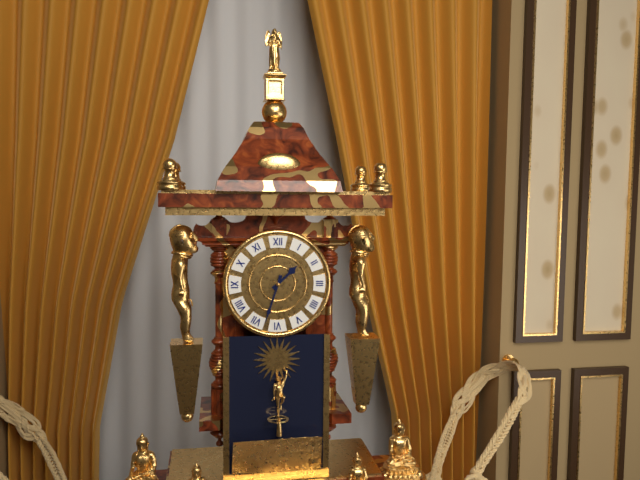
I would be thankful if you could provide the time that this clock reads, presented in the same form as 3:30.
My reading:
1:33
